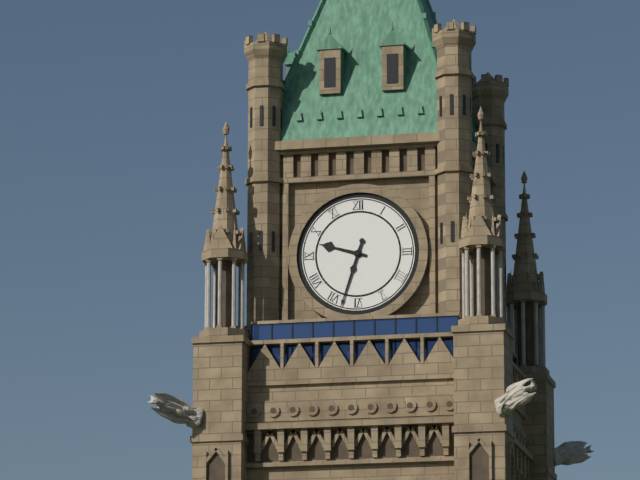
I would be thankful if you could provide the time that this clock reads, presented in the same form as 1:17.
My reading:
9:33
